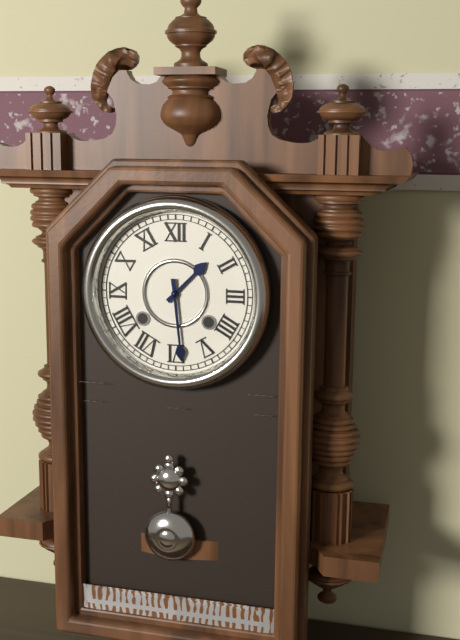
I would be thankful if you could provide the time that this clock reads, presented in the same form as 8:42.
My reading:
1:29
